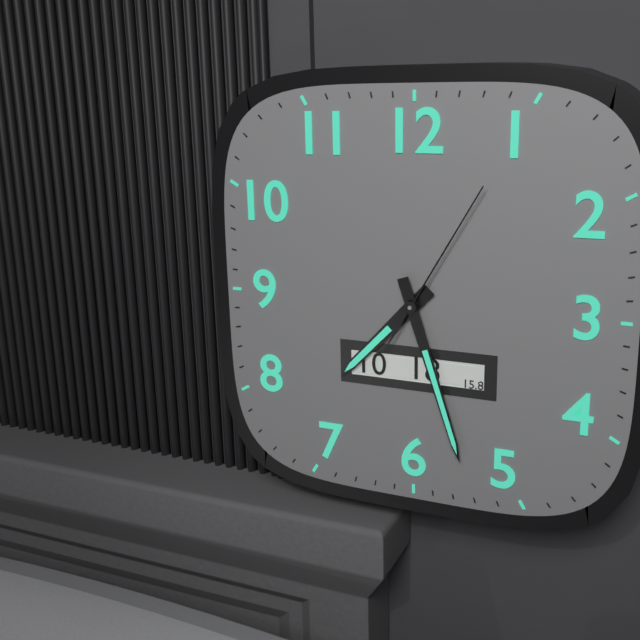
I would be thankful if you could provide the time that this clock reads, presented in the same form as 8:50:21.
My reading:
7:27:05
